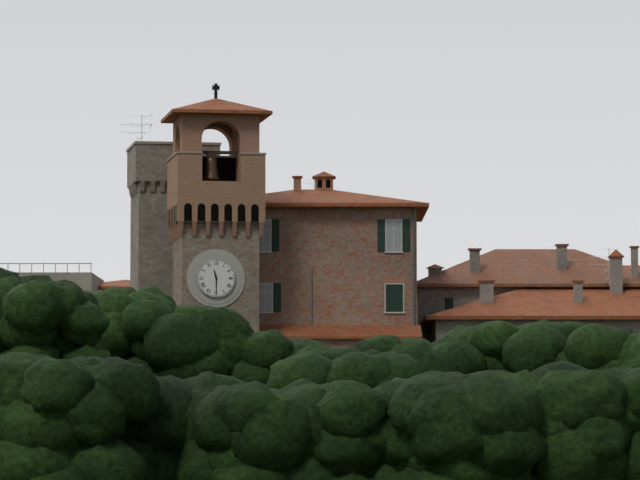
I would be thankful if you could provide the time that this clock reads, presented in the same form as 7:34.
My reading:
11:30
